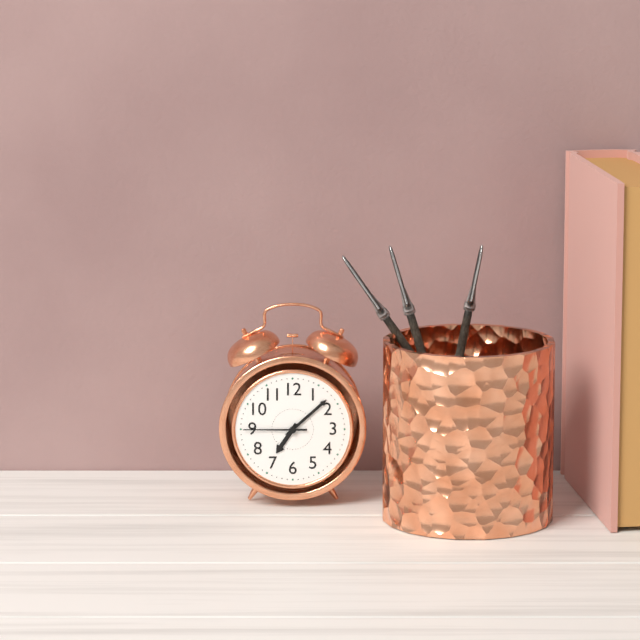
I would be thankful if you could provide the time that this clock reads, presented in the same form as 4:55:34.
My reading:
7:08:45
